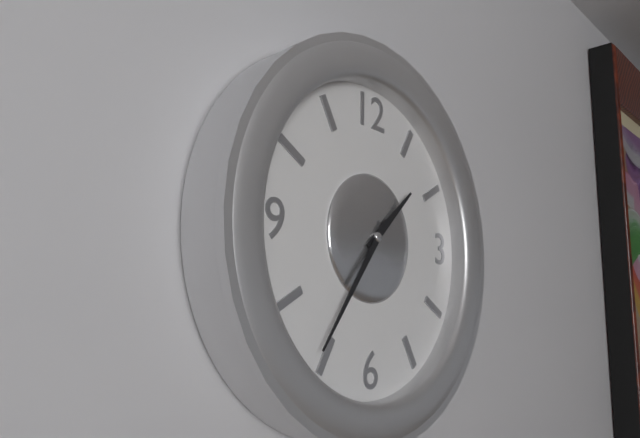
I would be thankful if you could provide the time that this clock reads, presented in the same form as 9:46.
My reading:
1:36
